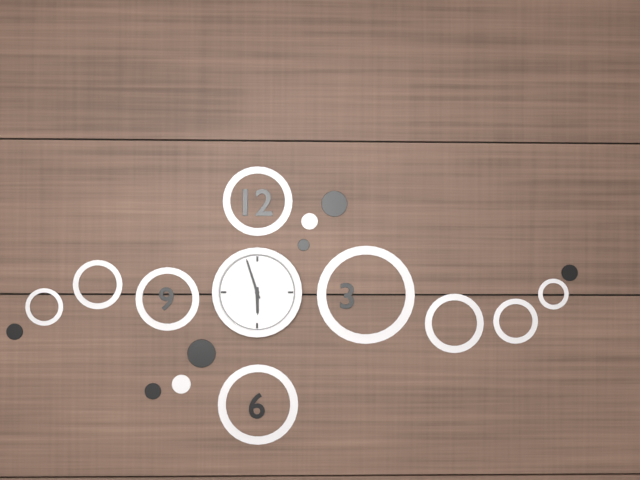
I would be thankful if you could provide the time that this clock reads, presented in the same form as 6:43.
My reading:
5:57
